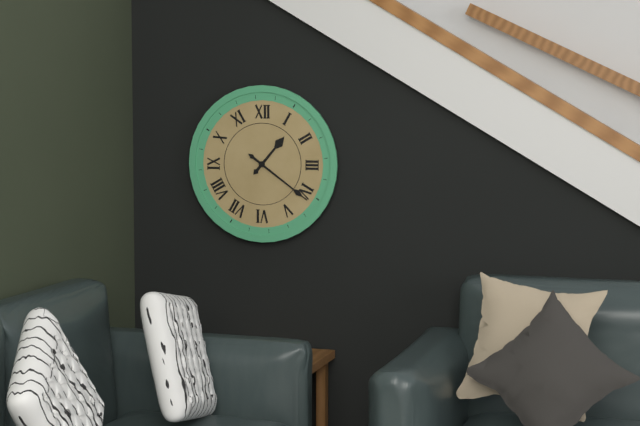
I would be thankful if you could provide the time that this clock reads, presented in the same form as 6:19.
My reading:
1:21
